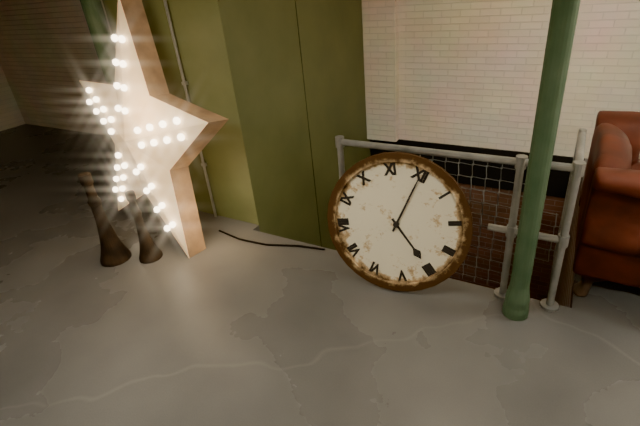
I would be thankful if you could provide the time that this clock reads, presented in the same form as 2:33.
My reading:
4:00
